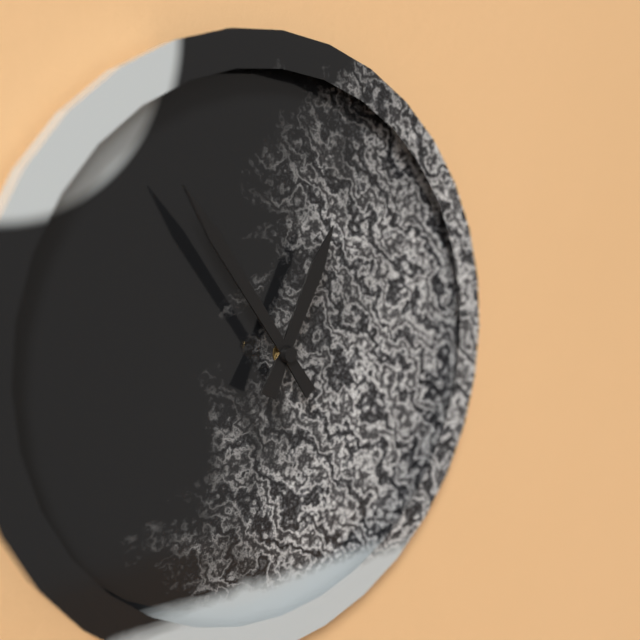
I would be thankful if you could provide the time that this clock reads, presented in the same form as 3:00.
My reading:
12:54
